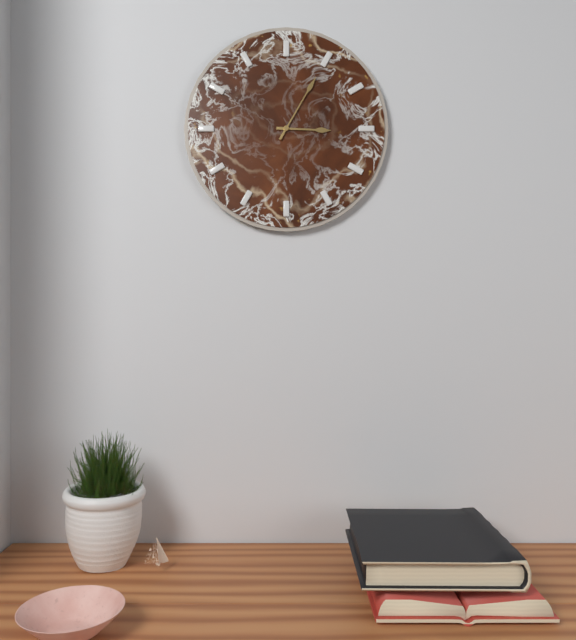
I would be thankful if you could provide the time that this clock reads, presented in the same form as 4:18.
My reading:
3:05
